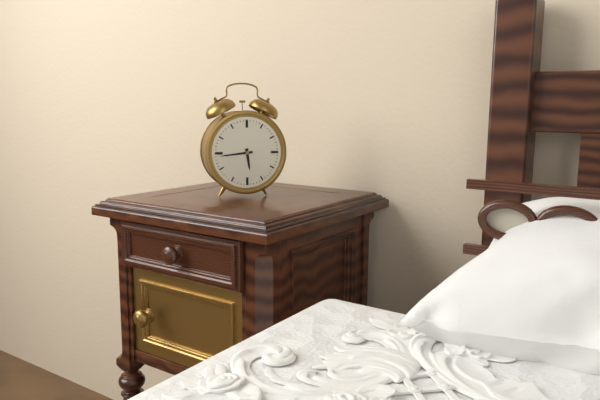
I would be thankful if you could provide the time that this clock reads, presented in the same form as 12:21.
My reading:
5:44
